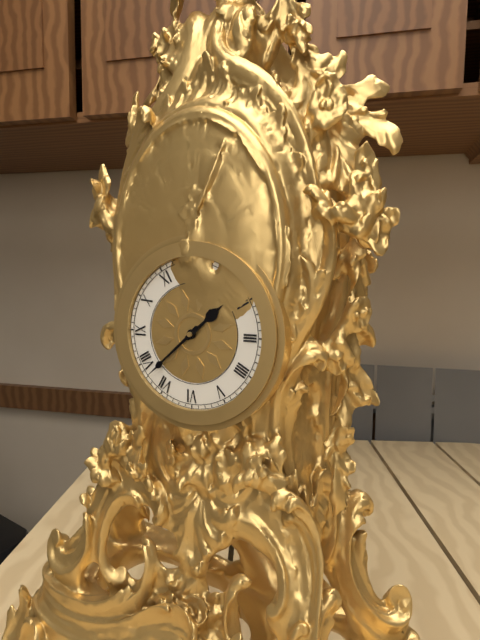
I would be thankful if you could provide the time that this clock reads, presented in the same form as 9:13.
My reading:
1:38
